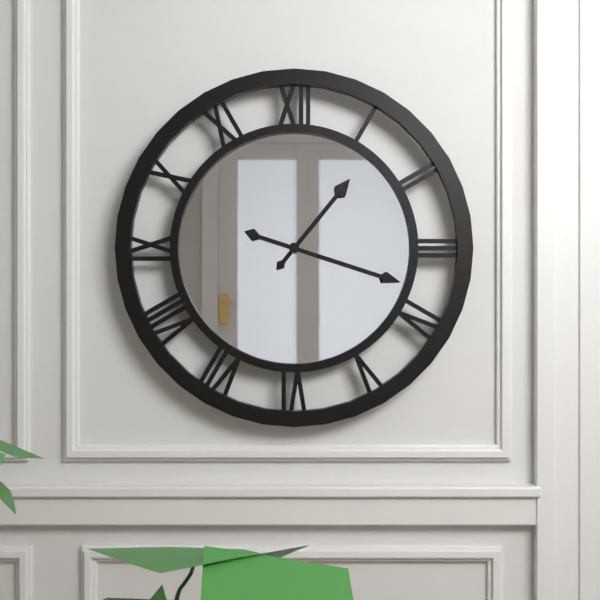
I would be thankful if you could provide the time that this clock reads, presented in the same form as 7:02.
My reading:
1:18
